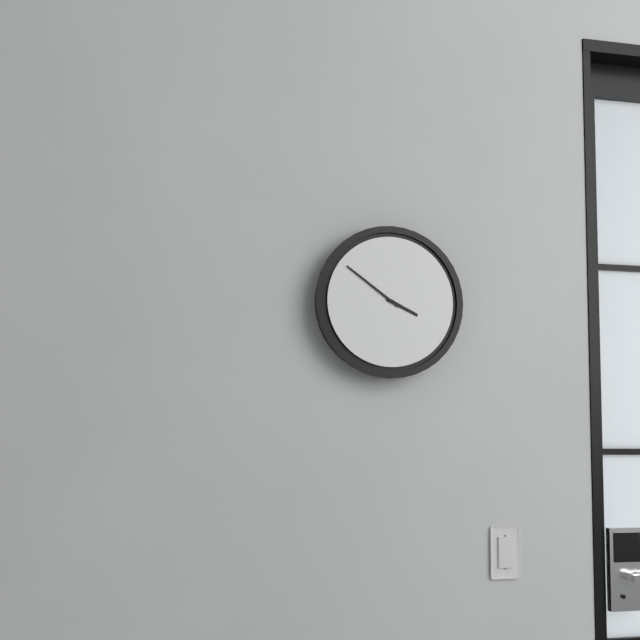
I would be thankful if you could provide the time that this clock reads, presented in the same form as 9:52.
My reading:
3:51
